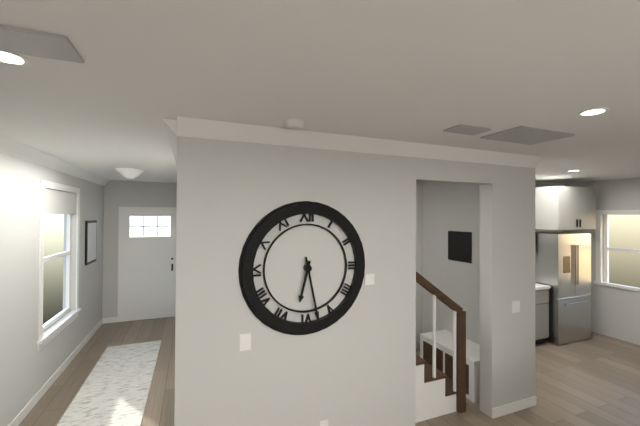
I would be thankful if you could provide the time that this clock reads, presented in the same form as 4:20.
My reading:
6:28
